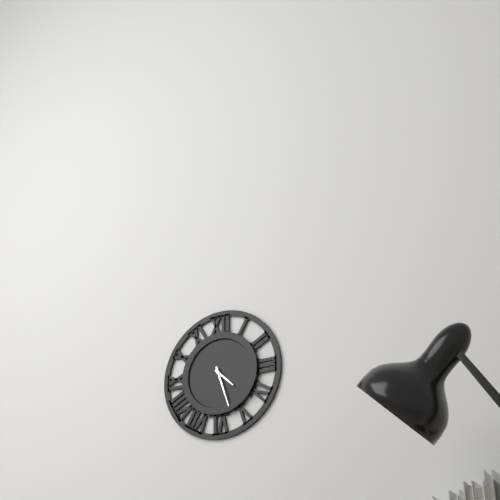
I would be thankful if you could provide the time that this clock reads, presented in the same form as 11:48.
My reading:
4:27
